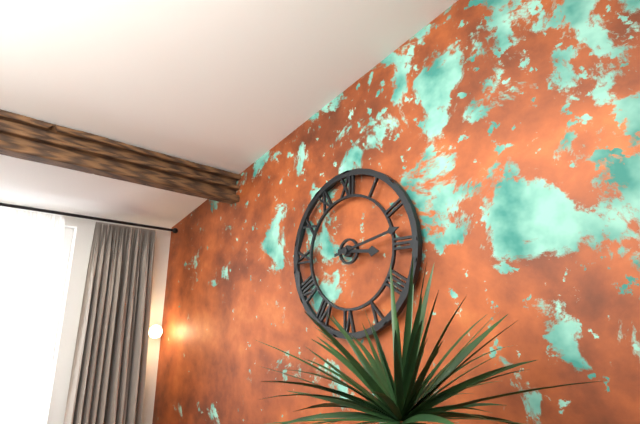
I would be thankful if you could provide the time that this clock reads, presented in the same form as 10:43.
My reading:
3:13
